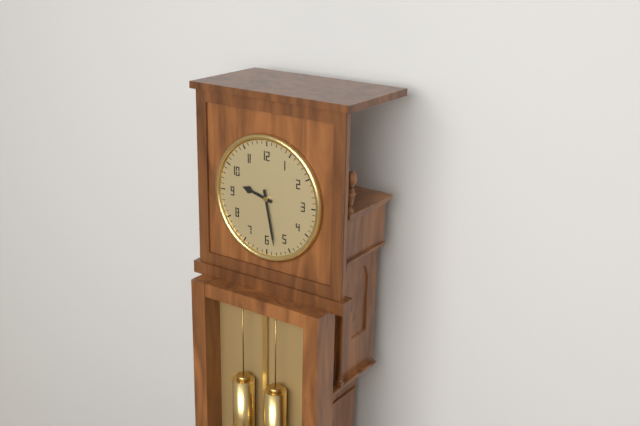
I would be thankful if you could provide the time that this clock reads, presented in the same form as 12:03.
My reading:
9:28
